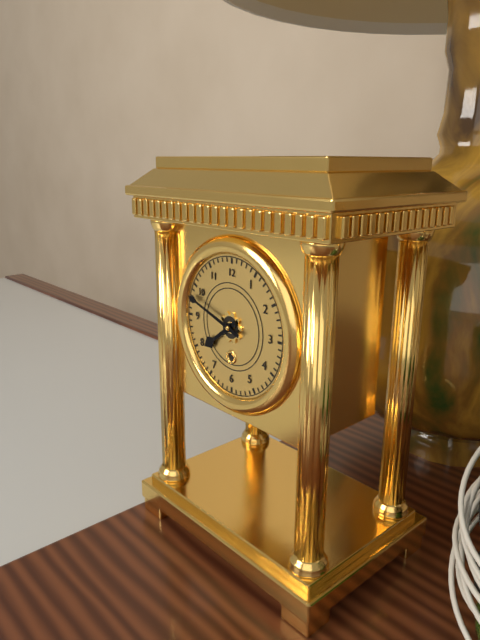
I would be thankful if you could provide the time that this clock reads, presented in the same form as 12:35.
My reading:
7:48
